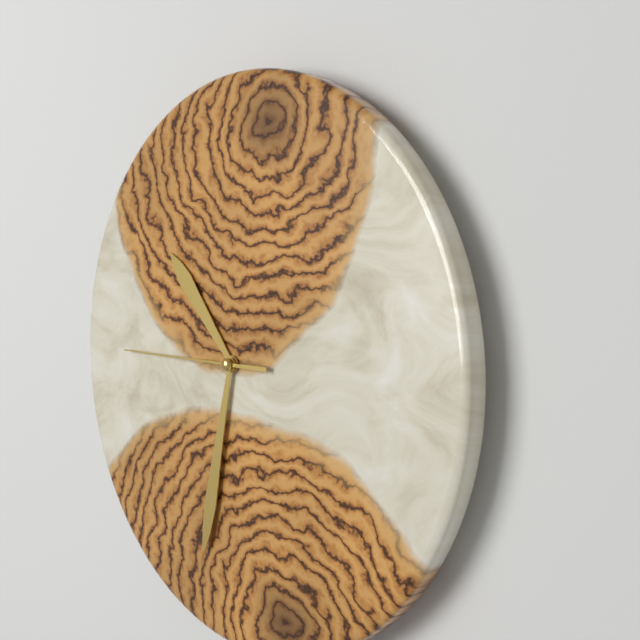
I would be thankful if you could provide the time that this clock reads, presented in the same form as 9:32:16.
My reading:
10:32:45
